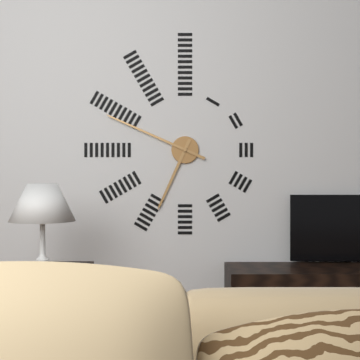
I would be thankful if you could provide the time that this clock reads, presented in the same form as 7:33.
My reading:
6:49
